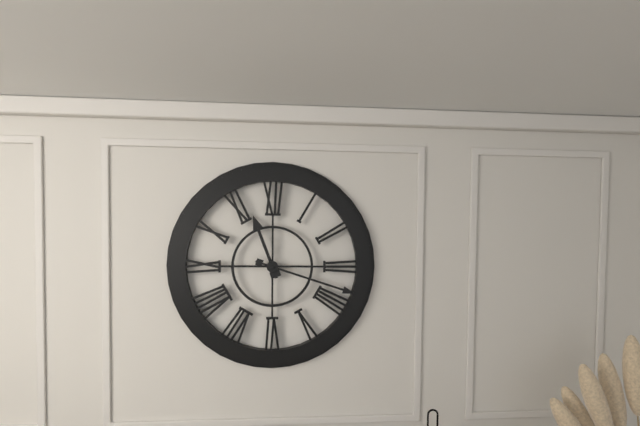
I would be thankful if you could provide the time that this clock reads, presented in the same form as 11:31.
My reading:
11:18
